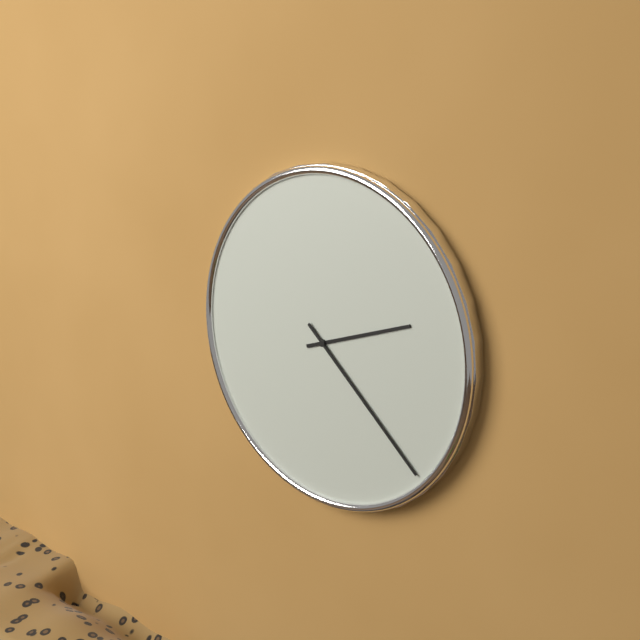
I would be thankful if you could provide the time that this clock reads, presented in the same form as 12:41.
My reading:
2:22
